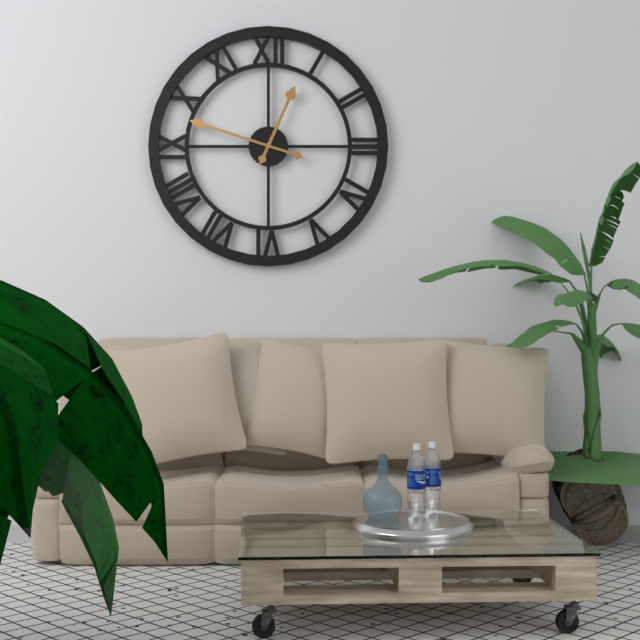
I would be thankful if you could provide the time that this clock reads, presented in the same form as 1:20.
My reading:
12:48
